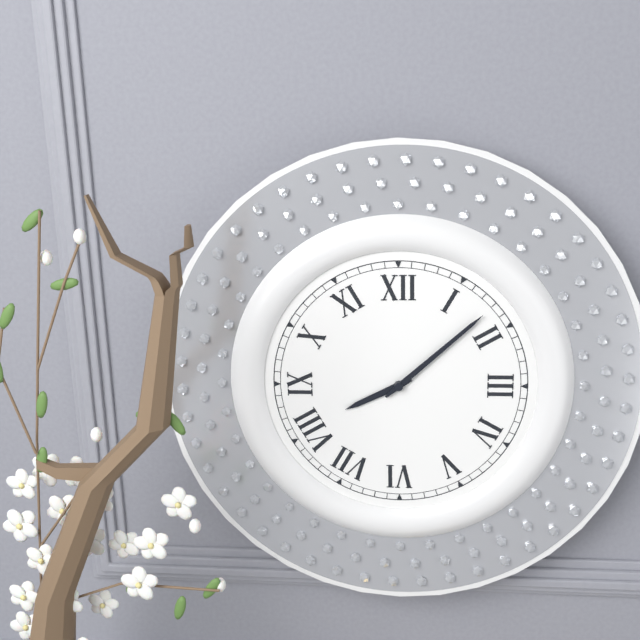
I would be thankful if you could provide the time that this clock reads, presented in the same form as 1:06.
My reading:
8:08
